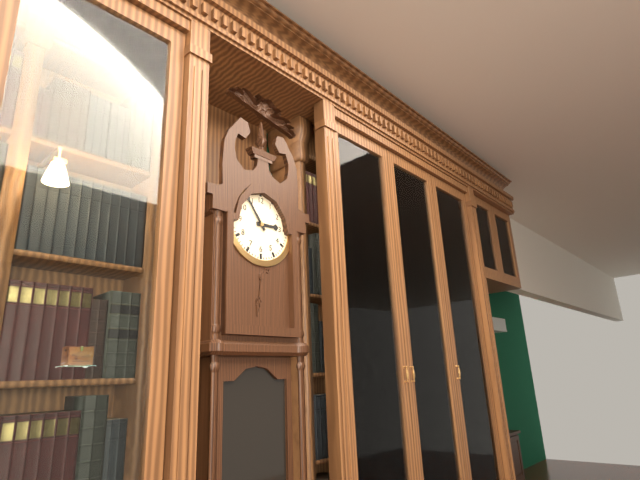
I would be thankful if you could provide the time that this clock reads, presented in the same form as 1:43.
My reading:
2:54
